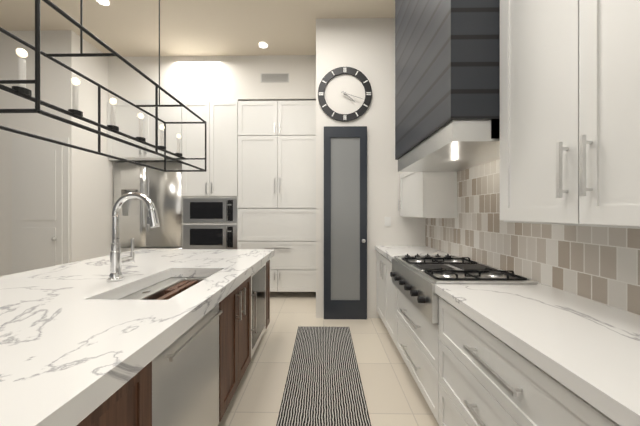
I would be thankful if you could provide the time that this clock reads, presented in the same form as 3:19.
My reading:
4:18
